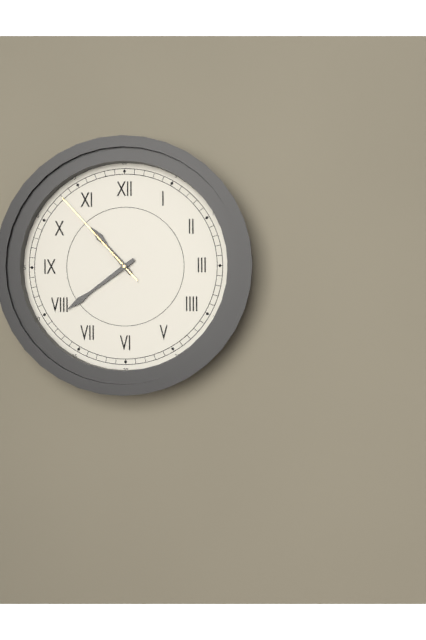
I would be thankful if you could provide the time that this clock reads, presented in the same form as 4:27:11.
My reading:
10:39:53
